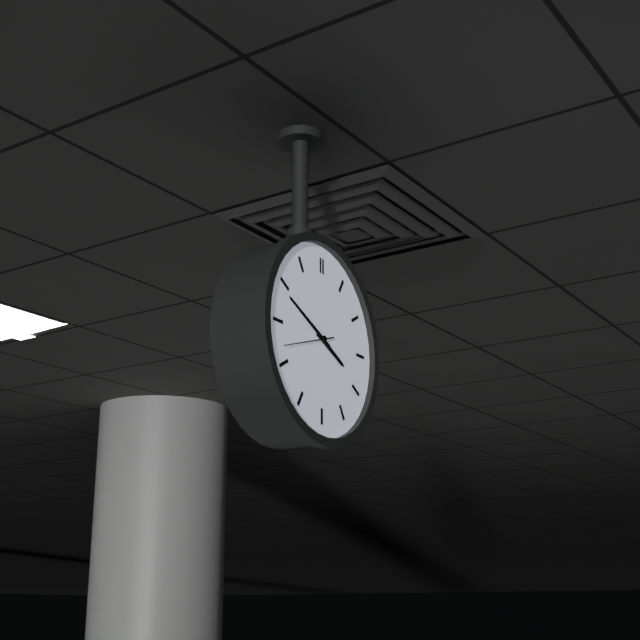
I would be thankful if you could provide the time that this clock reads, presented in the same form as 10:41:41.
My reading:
3:49:42
